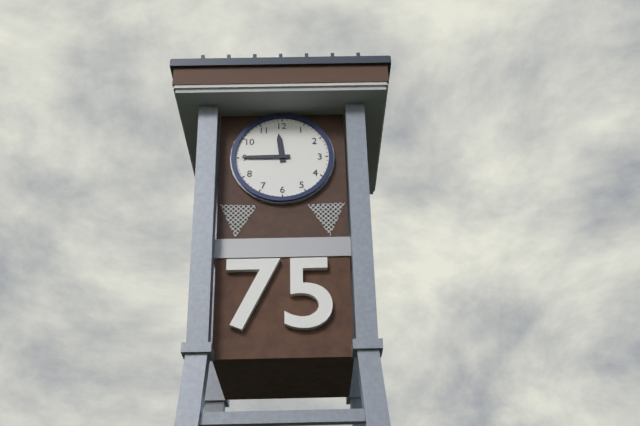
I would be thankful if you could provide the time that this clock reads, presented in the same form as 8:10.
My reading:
11:45
